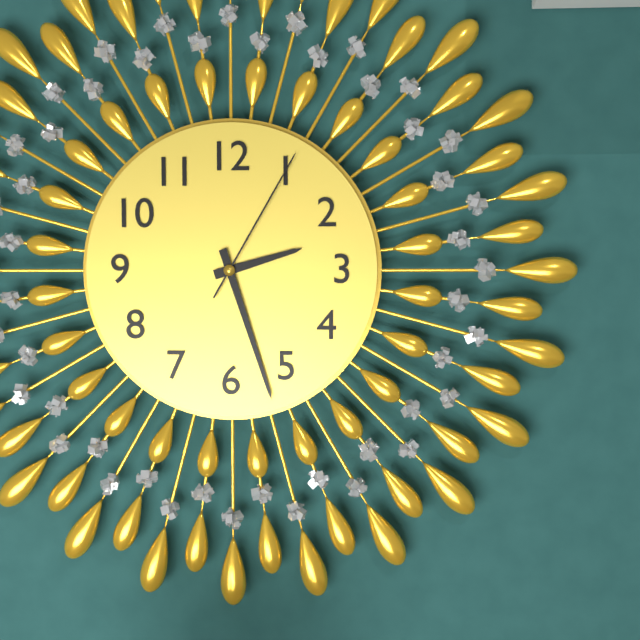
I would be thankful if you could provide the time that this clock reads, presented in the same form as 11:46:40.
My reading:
2:27:05
